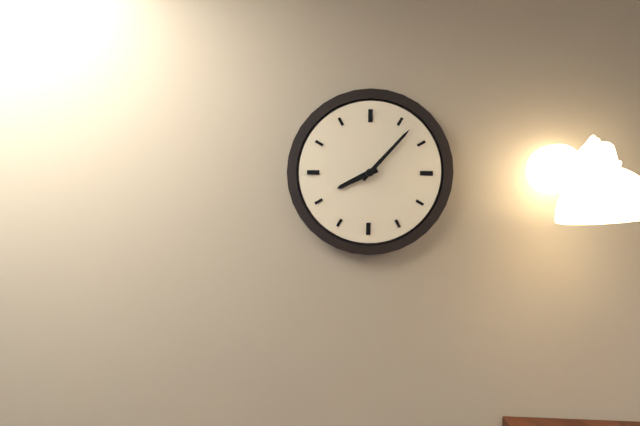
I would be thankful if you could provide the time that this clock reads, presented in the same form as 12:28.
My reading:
8:07
